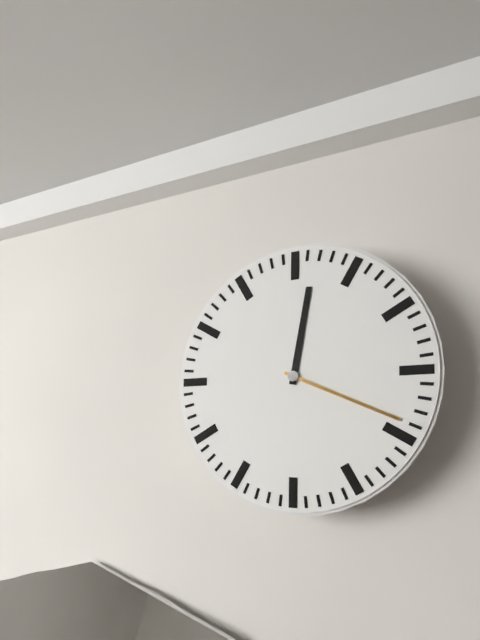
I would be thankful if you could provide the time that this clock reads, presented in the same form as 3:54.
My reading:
12:19
